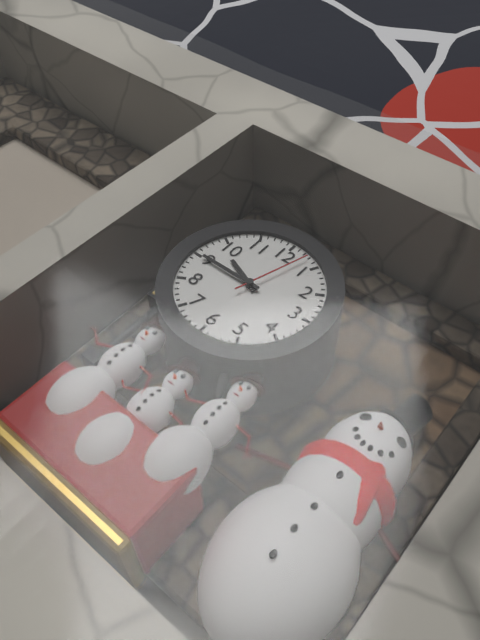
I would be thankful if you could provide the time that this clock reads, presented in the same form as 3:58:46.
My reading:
9:45:03
